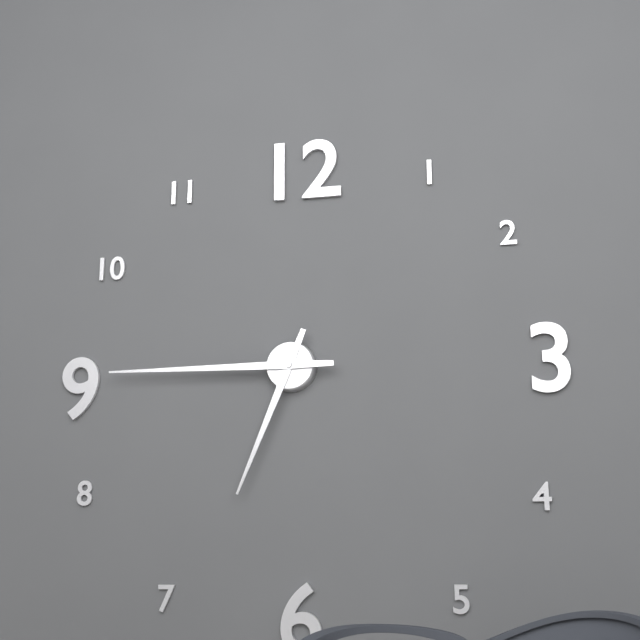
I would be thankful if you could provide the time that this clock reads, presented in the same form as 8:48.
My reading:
6:45
